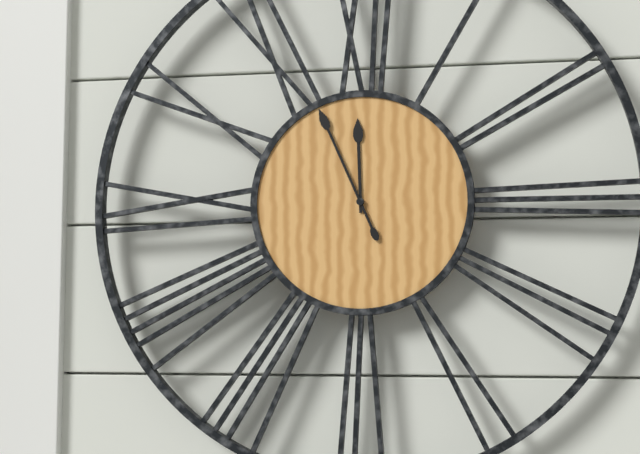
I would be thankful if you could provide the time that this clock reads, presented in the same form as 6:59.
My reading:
11:56
